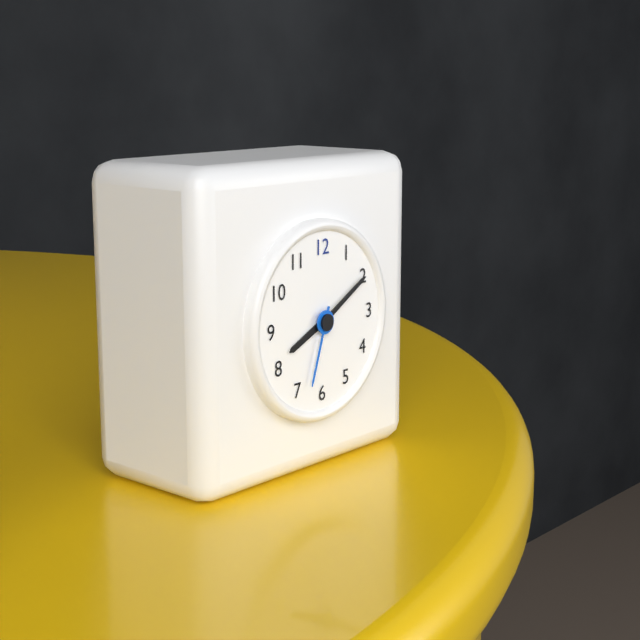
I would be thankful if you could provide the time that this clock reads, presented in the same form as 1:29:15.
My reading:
8:10:33
